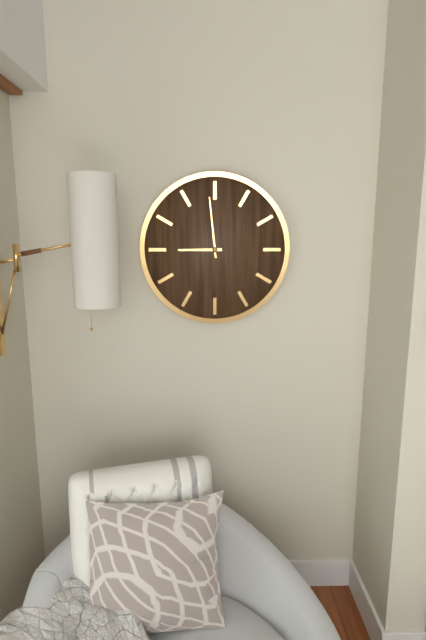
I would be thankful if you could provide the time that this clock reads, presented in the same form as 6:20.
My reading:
8:59
